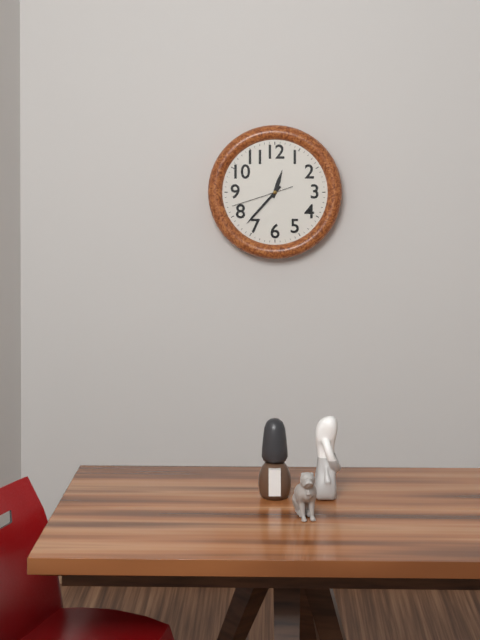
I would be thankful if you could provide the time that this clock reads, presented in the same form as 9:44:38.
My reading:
12:37:42
